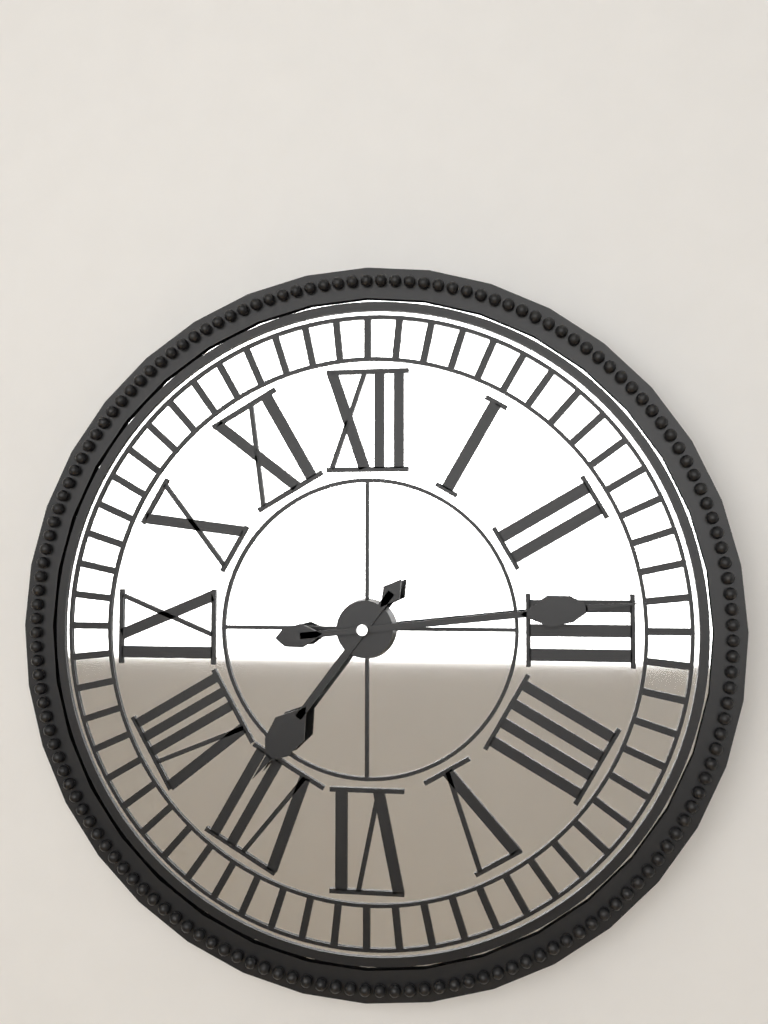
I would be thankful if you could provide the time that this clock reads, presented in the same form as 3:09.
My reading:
7:14
